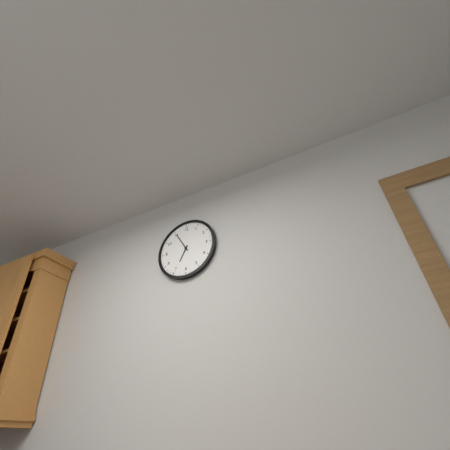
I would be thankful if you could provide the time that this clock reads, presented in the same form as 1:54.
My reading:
6:55
